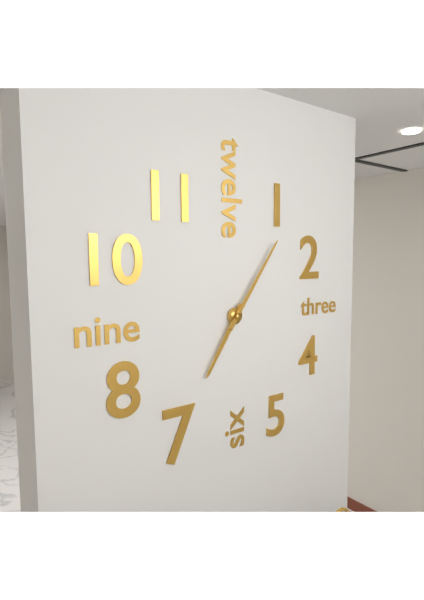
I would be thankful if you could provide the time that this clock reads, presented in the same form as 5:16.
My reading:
7:06
